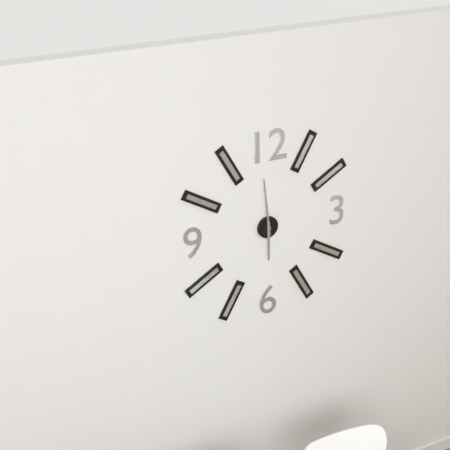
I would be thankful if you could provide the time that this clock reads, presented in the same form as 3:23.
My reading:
5:59
